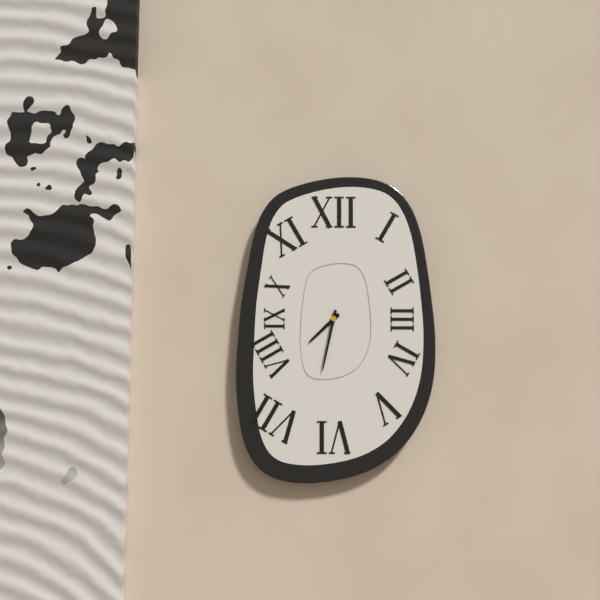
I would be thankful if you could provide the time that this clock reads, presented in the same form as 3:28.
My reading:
7:32
